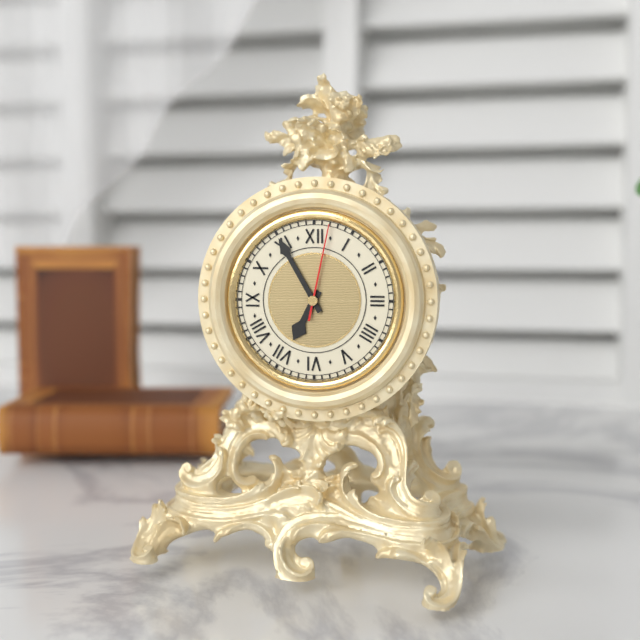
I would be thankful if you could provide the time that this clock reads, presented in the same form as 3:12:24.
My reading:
6:55:02
